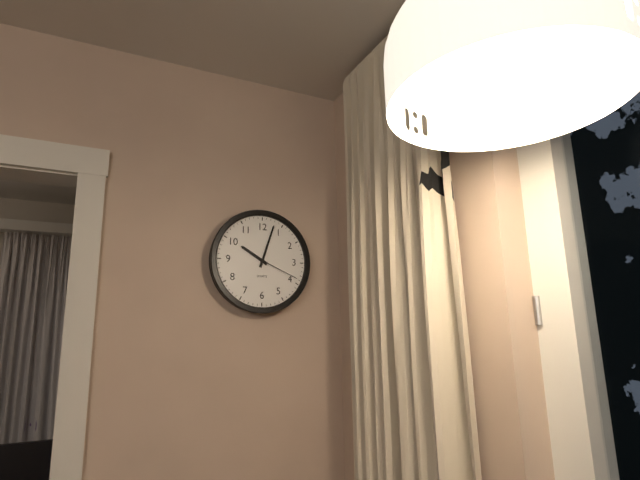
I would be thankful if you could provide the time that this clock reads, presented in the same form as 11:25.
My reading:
10:03
